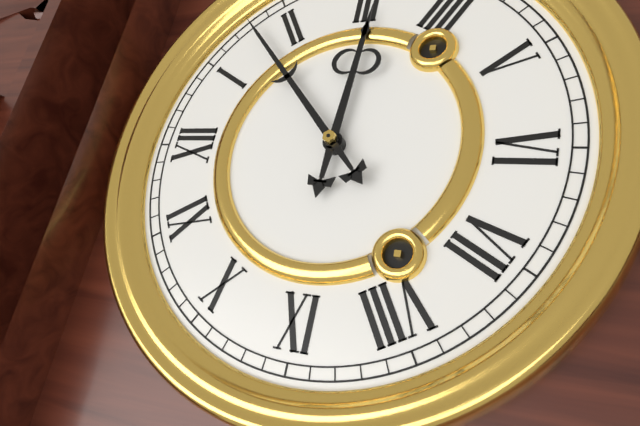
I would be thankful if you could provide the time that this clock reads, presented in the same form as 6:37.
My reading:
3:08
